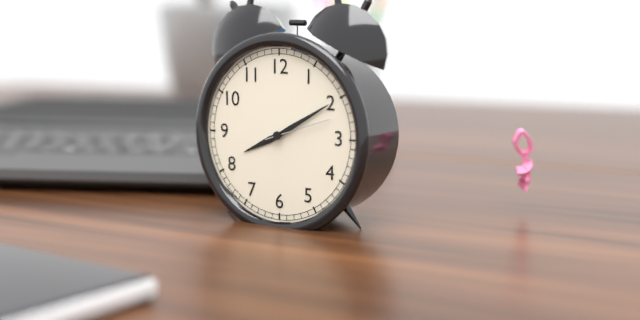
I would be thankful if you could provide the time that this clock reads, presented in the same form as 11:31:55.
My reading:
8:10:12
